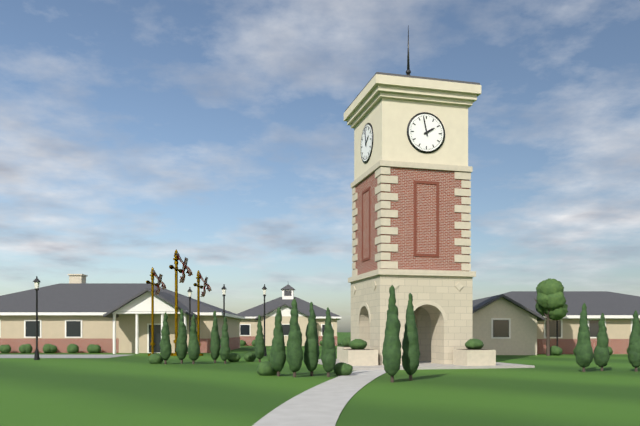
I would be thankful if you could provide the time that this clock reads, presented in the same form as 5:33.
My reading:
1:58
